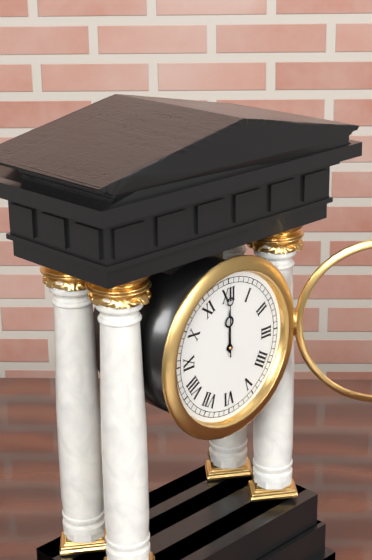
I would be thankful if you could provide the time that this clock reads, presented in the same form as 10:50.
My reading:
12:00
